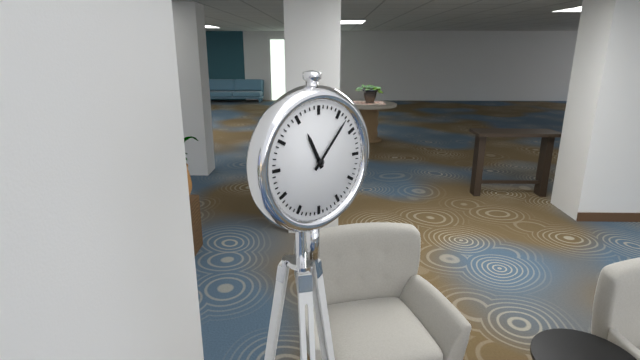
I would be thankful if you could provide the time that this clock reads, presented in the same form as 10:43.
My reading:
11:07
